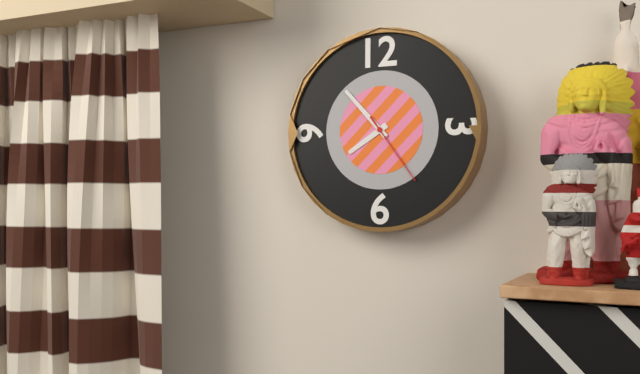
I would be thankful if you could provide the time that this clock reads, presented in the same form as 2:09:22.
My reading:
7:53:24
